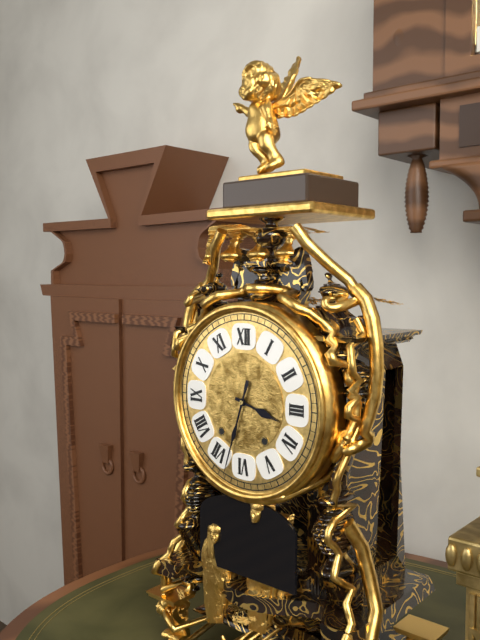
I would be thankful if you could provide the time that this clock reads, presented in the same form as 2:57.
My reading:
3:33
